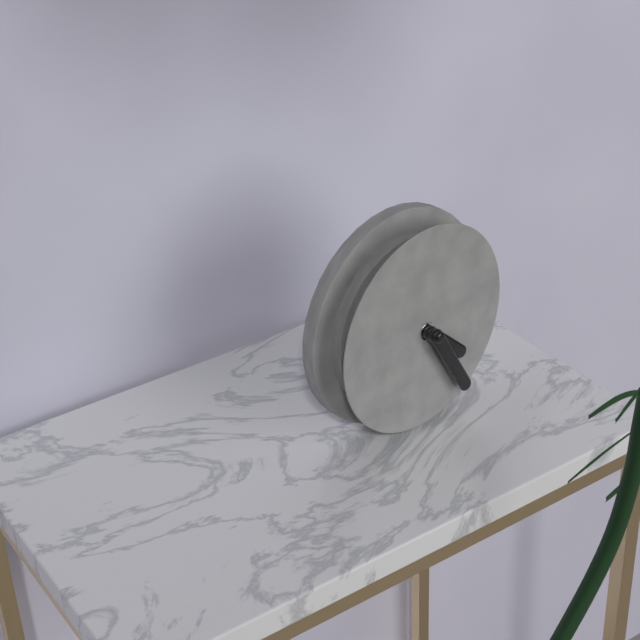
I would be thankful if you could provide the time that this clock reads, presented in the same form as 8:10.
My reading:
4:25
